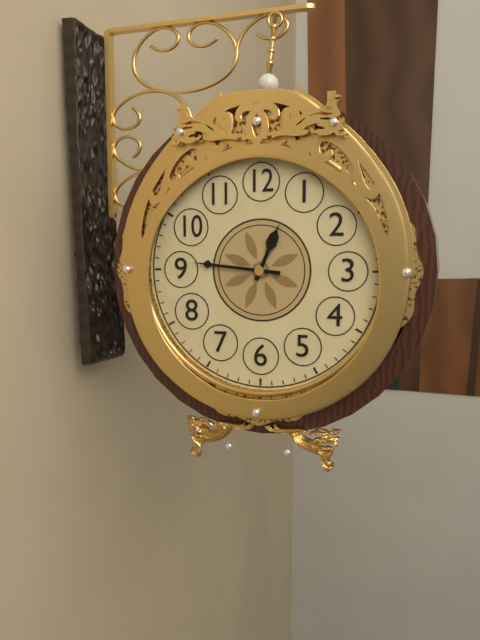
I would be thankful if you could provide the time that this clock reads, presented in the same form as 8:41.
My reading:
12:46
